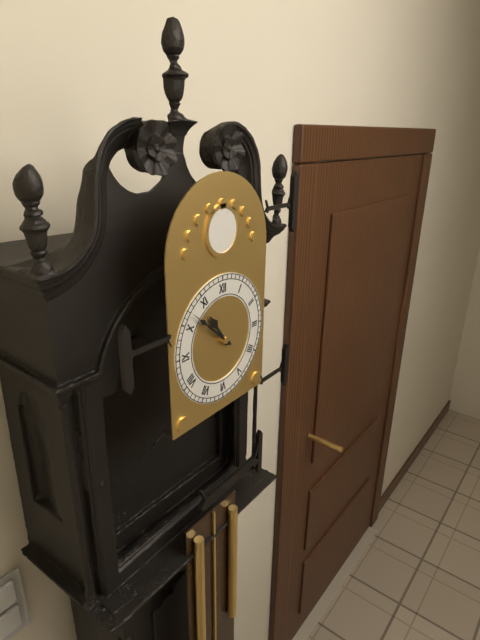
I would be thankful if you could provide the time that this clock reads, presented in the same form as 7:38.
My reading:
10:52
